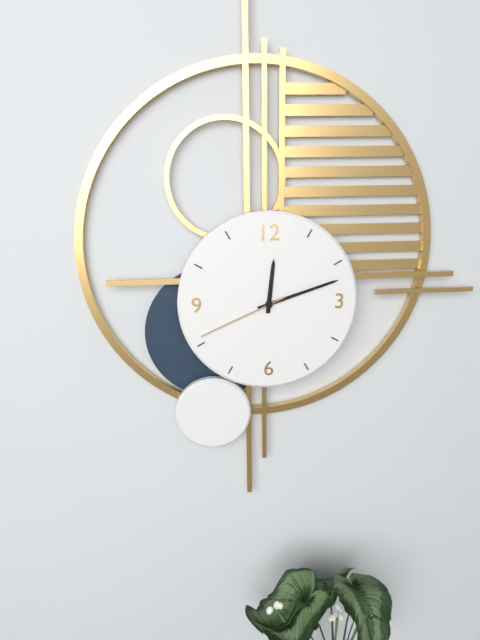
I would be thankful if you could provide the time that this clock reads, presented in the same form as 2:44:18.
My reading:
12:12:41
